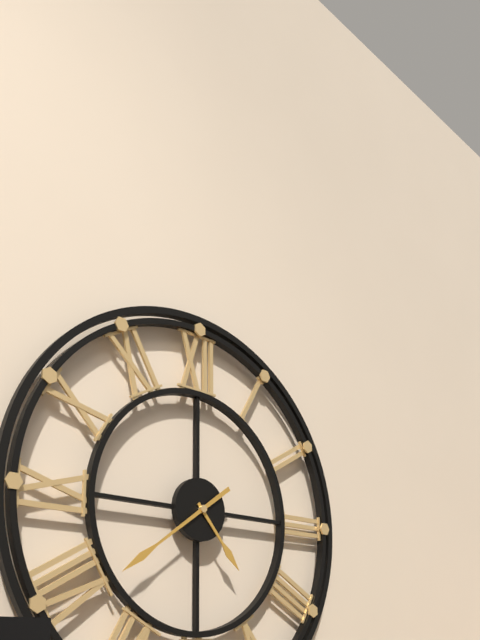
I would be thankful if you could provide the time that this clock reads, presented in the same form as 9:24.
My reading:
4:39
